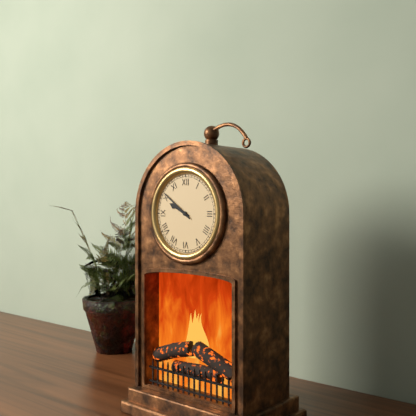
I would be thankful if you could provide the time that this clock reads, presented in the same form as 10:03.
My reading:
9:51
